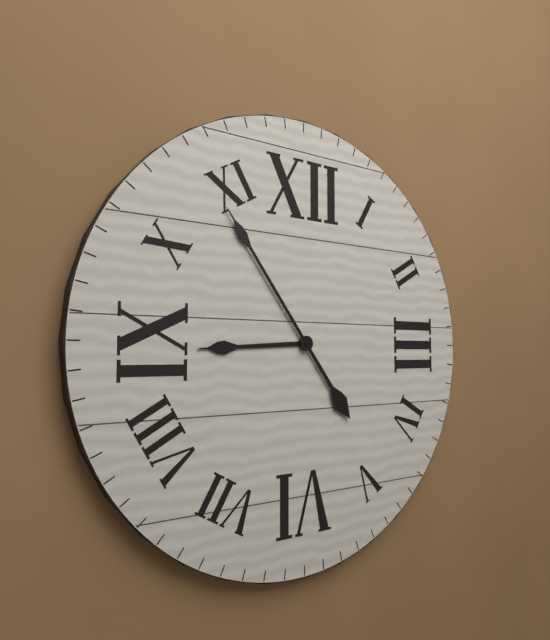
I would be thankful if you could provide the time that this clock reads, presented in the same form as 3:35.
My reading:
8:54
